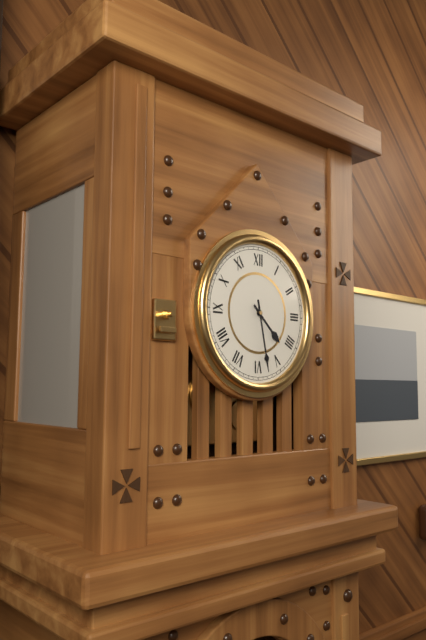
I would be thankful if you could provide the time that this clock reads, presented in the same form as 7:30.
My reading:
4:28
